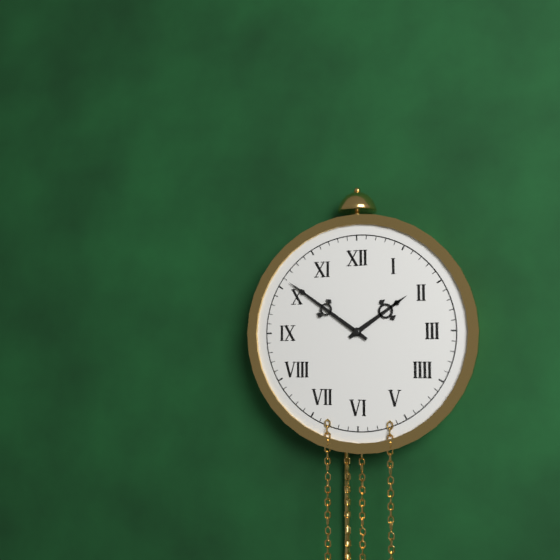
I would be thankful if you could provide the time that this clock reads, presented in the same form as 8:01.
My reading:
1:51
